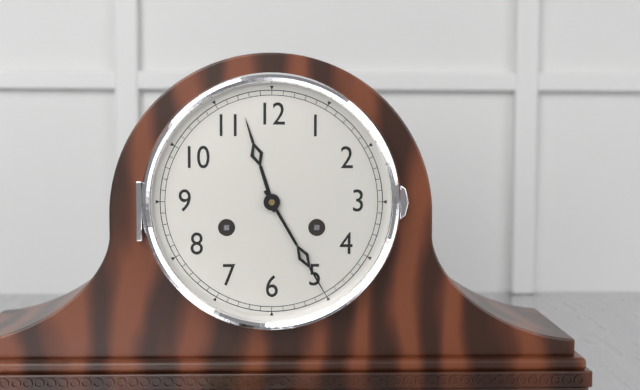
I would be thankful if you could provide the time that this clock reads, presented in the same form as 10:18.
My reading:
11:25
